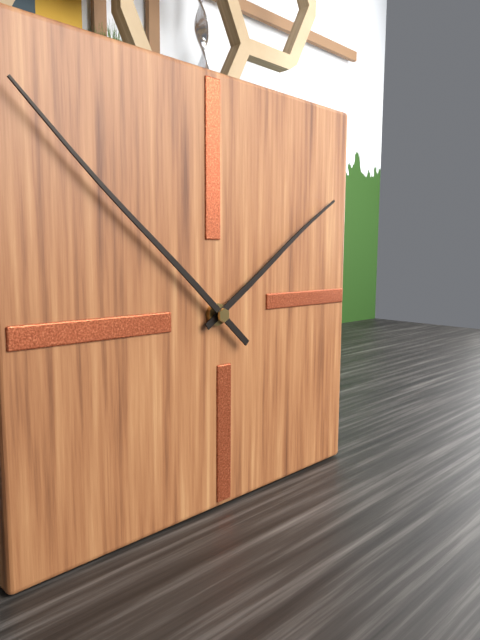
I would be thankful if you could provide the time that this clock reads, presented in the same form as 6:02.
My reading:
1:52
